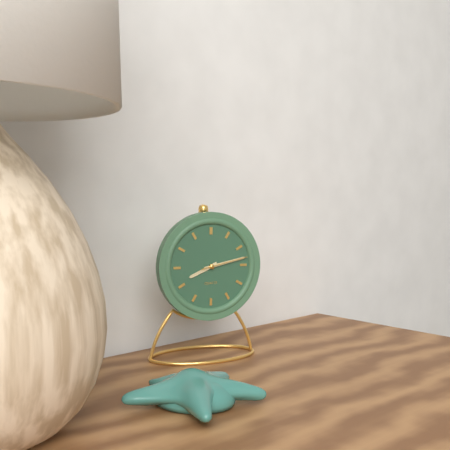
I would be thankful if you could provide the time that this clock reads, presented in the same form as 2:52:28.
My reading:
8:13:13
